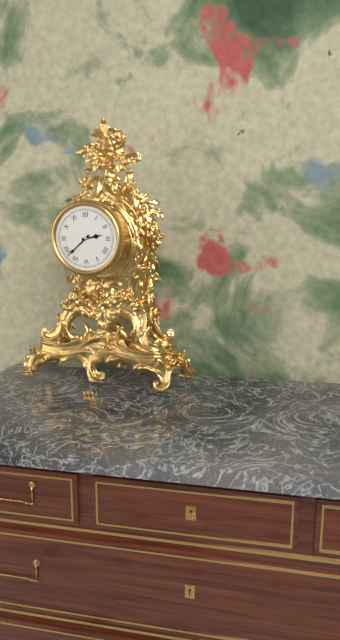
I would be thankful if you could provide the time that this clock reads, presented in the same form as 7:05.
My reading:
2:38
